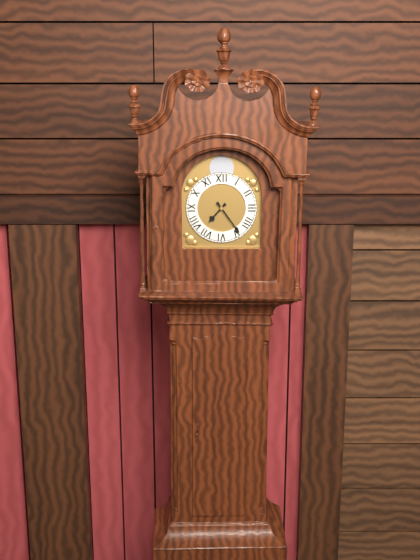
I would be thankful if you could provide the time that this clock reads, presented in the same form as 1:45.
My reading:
7:24
